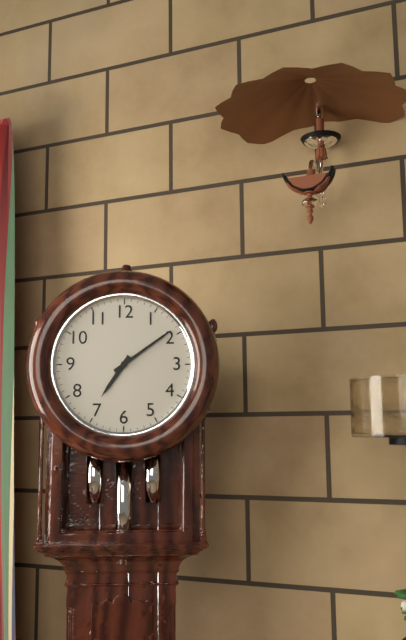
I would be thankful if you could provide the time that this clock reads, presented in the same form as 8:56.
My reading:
7:09
